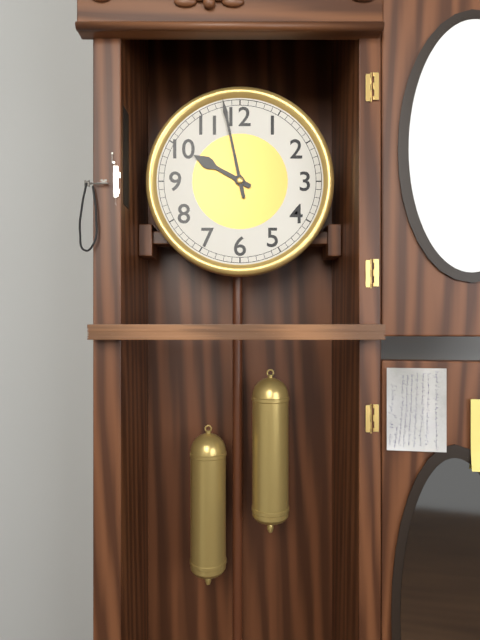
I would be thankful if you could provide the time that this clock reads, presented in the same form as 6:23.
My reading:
9:58
